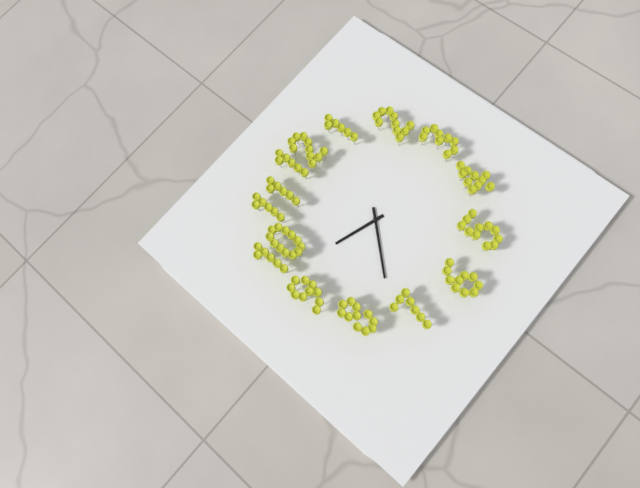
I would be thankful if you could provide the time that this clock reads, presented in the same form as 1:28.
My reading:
9:37
